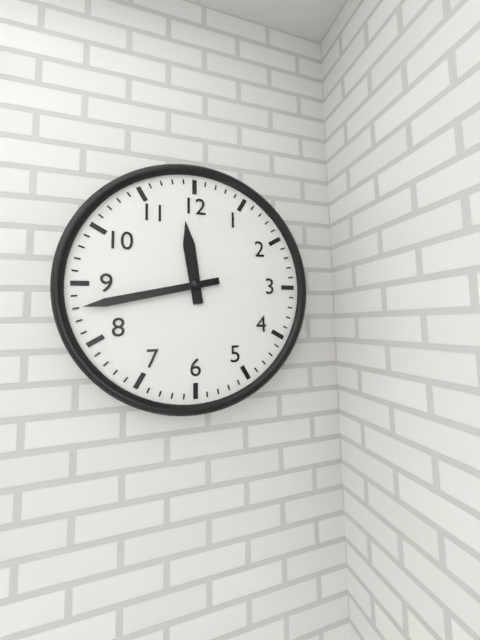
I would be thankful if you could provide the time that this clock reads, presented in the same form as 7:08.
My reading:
11:43
